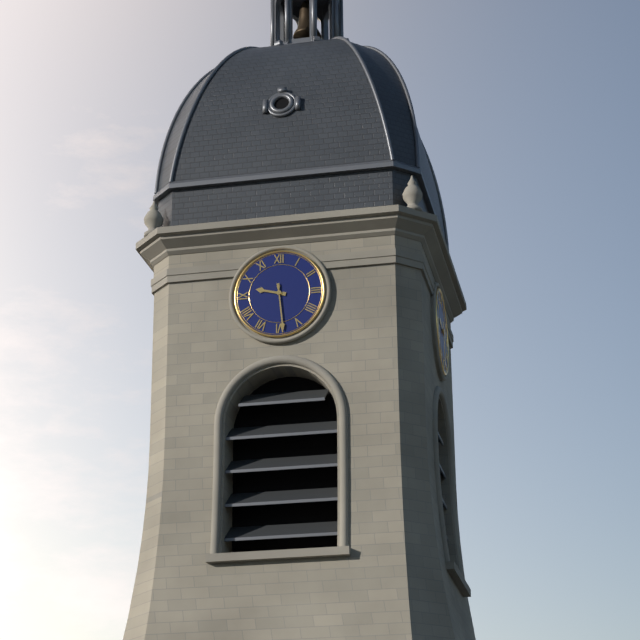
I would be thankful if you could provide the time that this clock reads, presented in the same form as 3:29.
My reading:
9:29
